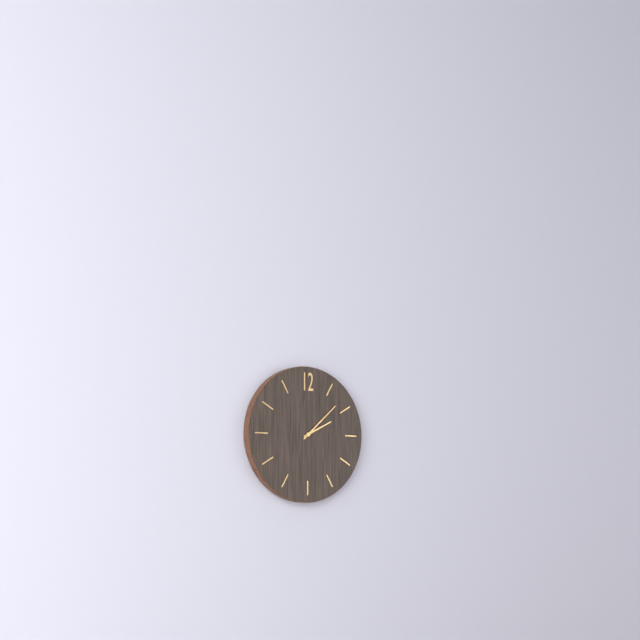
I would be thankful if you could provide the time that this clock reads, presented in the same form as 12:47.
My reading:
2:08
